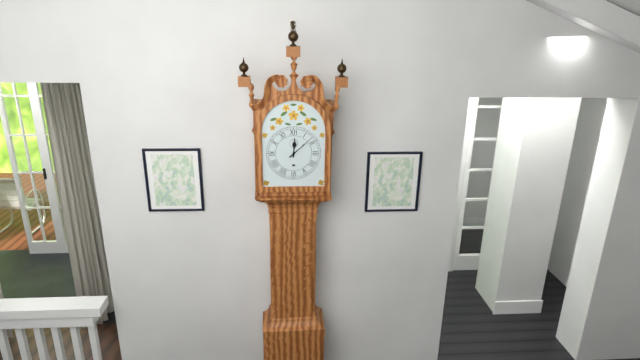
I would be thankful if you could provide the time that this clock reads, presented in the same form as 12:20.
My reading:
12:08
